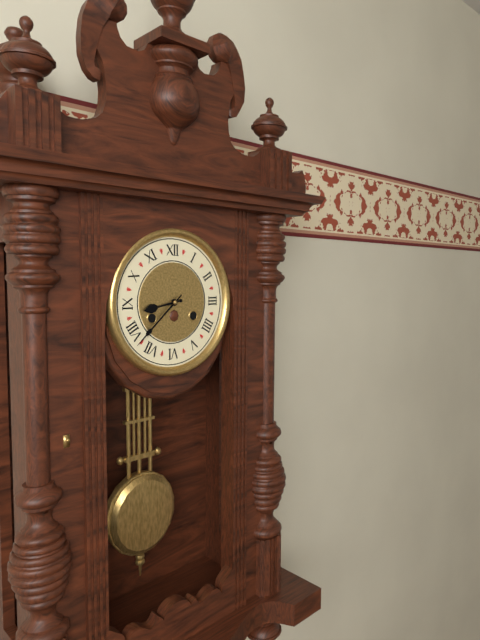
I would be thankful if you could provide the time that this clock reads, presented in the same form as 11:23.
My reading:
8:38
